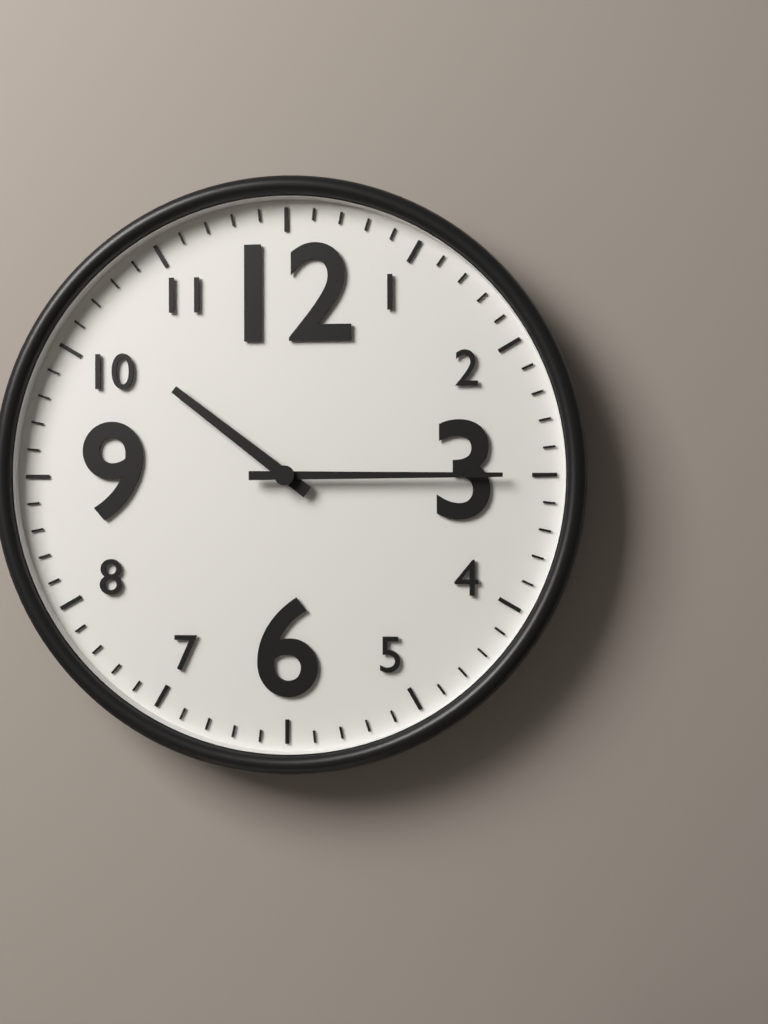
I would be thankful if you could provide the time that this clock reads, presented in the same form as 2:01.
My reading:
10:15
